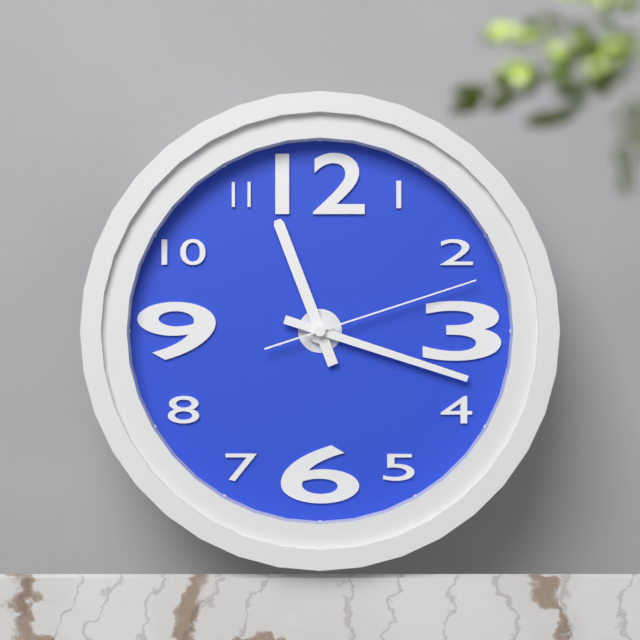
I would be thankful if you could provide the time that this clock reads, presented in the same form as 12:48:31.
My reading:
11:18:12
